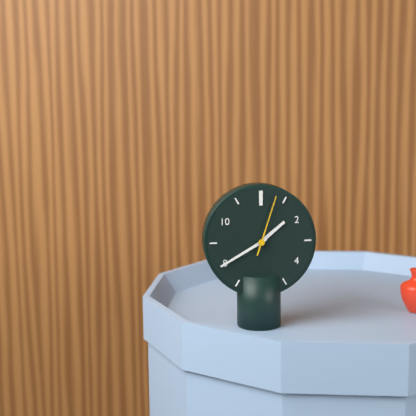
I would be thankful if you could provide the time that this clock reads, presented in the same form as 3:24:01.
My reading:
1:40:03
